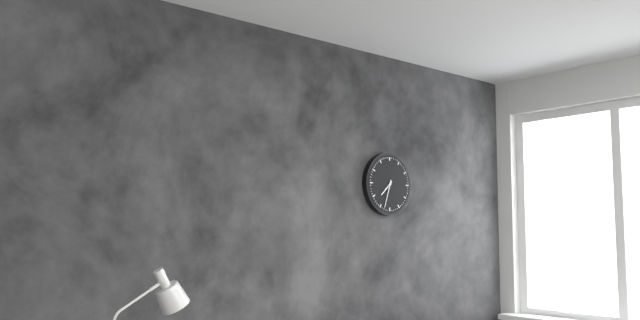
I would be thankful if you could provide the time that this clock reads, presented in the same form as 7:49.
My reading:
7:33
